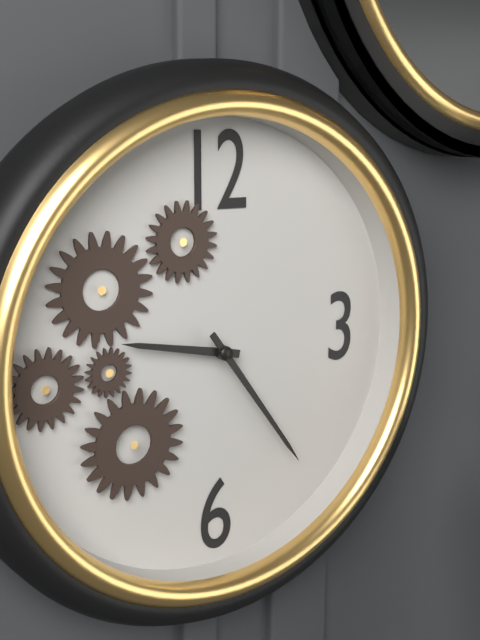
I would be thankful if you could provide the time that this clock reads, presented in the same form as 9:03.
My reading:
9:24
